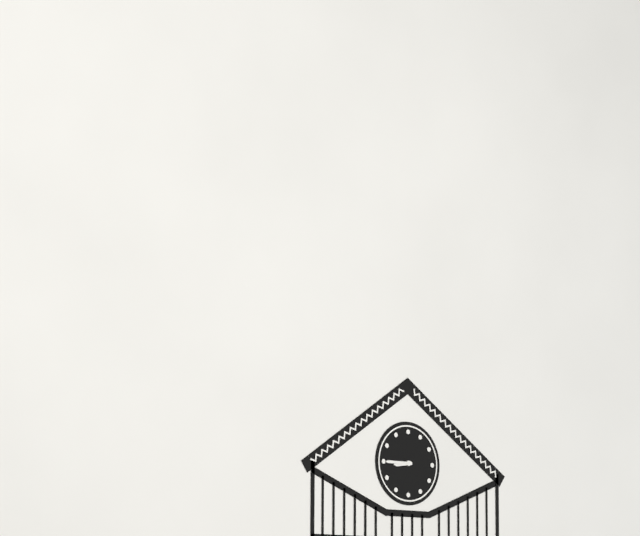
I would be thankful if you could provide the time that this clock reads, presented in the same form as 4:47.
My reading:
8:45
